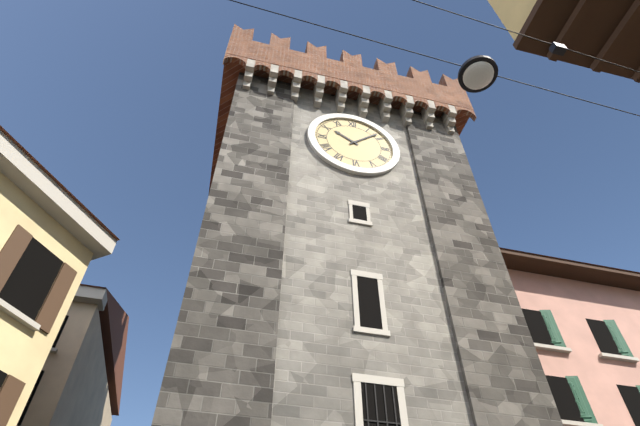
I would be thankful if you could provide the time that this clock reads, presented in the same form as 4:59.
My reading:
10:08
